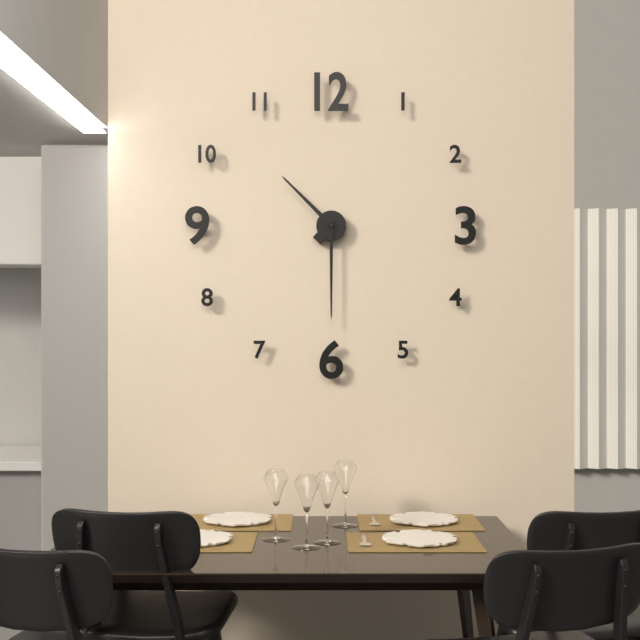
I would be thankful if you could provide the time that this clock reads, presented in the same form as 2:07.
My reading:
10:30
